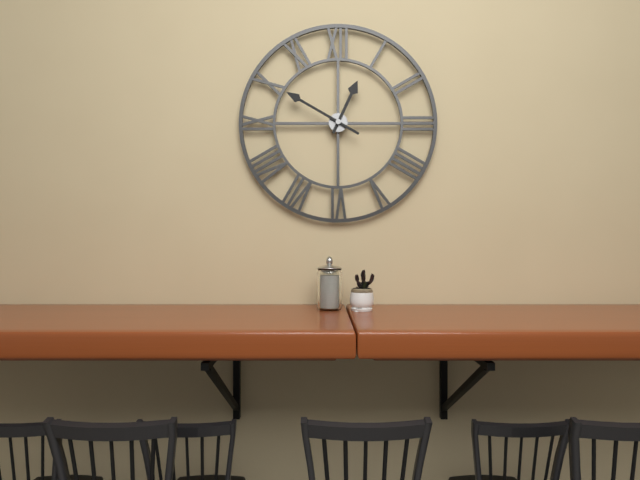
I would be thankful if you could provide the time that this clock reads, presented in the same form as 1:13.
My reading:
12:50
